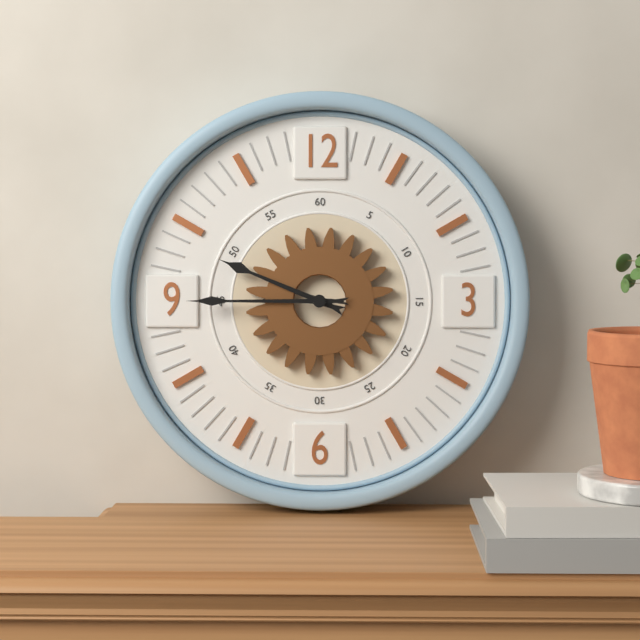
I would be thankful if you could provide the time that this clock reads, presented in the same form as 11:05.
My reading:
9:45
